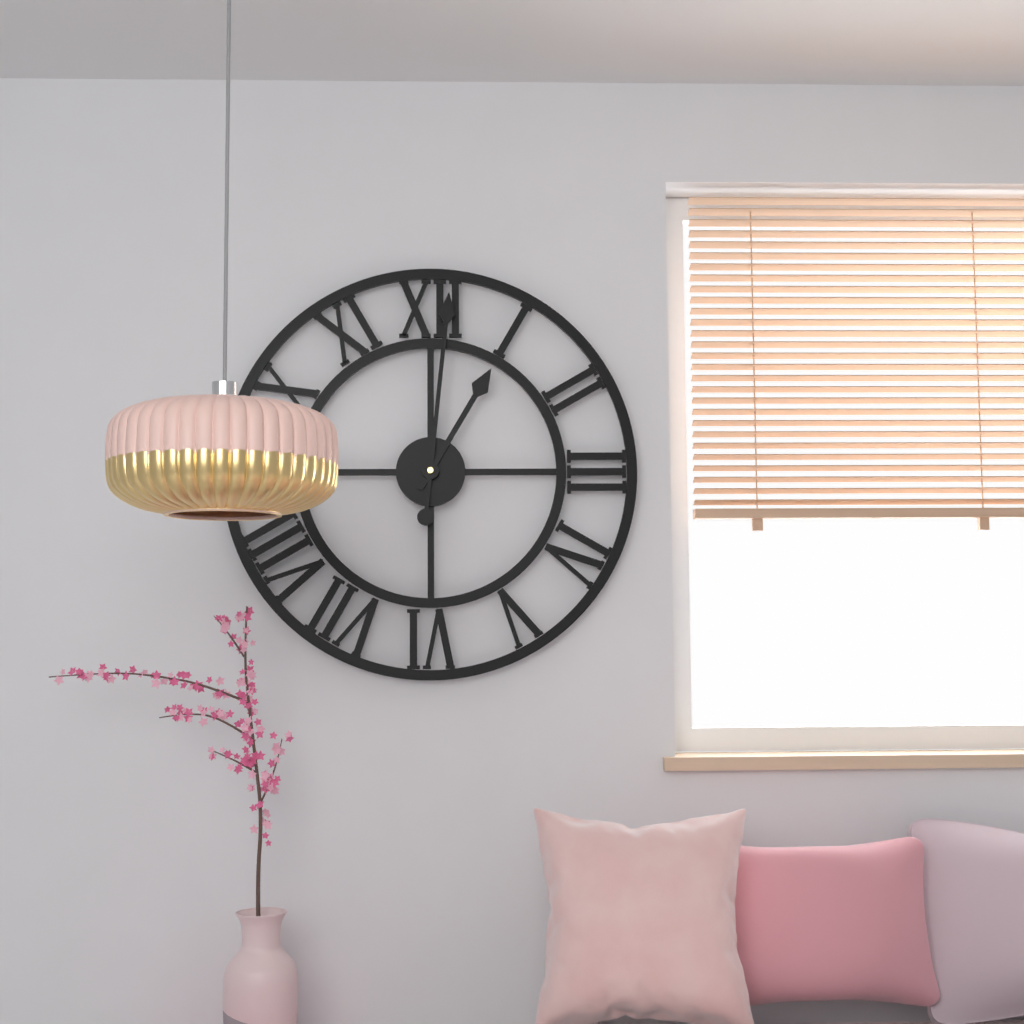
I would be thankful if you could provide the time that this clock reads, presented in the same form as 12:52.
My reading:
1:01
